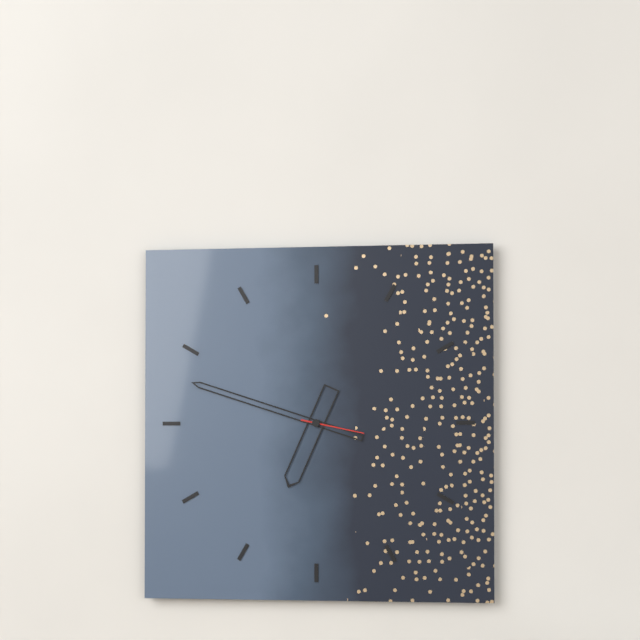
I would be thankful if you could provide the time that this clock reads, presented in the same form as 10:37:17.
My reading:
6:48:17
